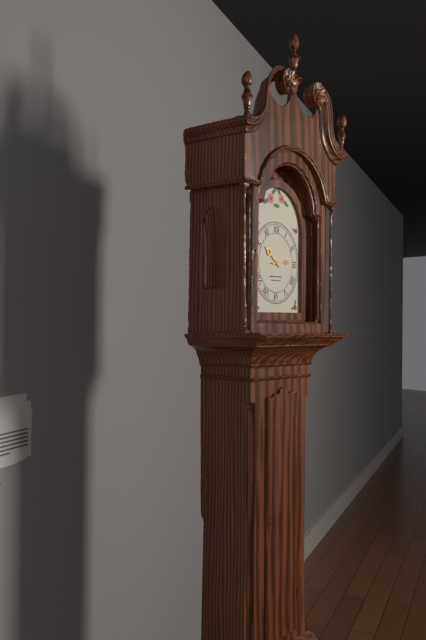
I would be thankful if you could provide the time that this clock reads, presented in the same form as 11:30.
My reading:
10:14
